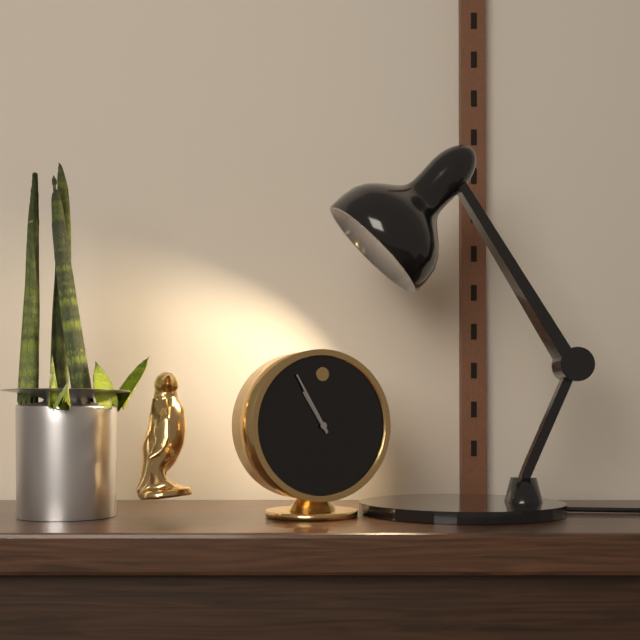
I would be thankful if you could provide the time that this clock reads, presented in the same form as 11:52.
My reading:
10:55
